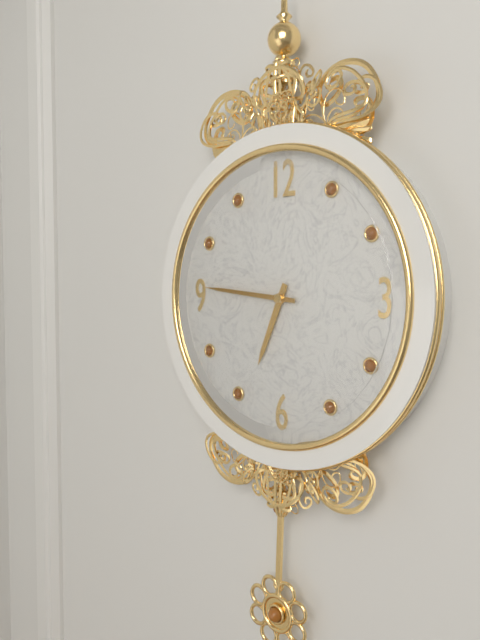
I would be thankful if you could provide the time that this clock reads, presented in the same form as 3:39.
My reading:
6:46
